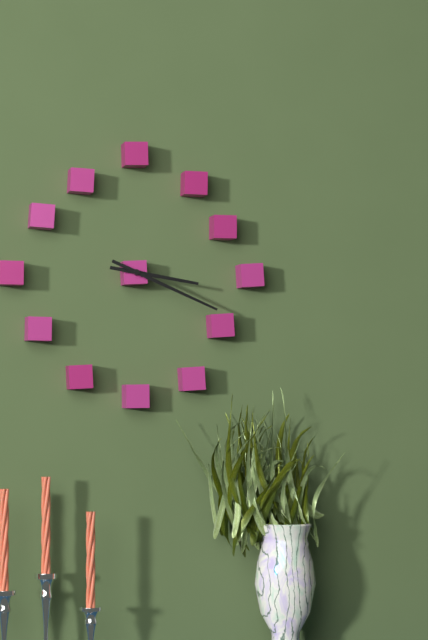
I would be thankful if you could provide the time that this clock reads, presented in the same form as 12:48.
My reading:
3:19
